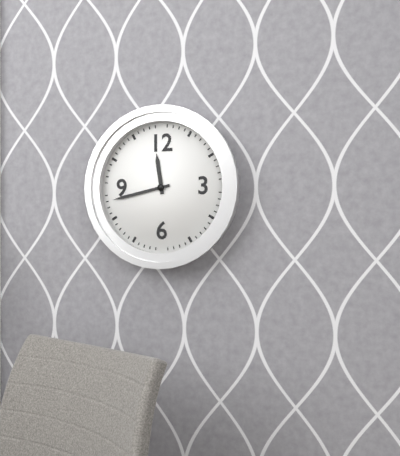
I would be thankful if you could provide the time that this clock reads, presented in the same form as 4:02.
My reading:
11:43
